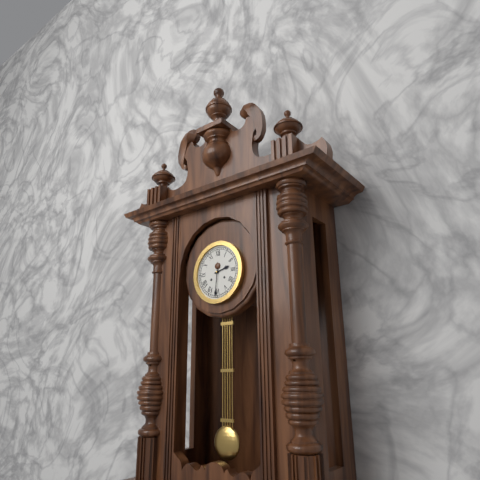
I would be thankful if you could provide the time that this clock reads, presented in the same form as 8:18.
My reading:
2:31
